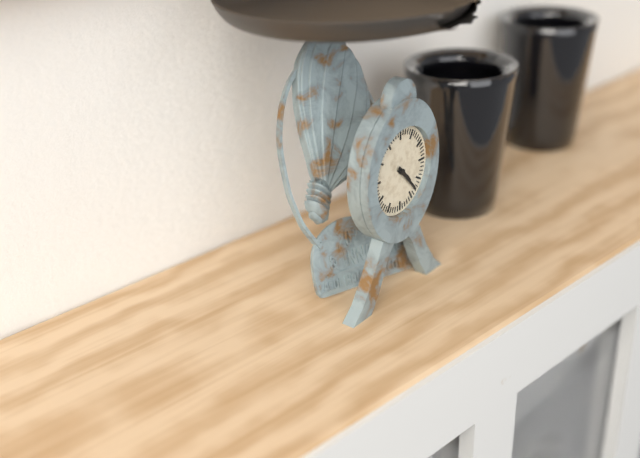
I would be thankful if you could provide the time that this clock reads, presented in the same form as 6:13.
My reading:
4:23
